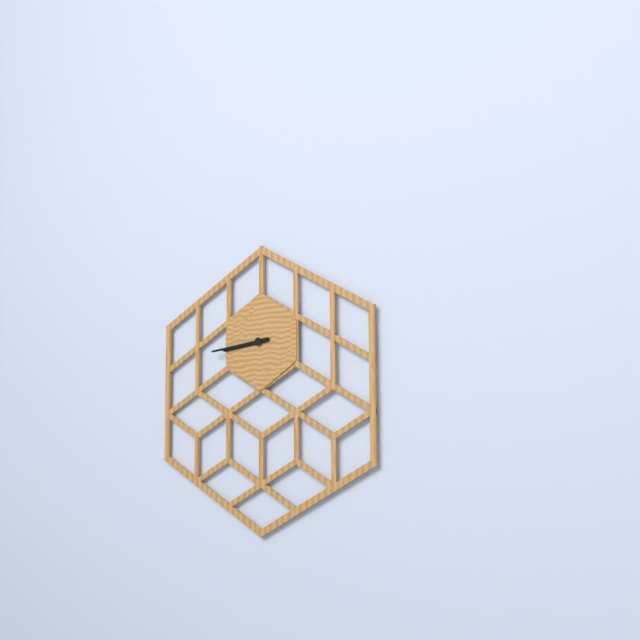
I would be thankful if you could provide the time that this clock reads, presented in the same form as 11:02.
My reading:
8:44
